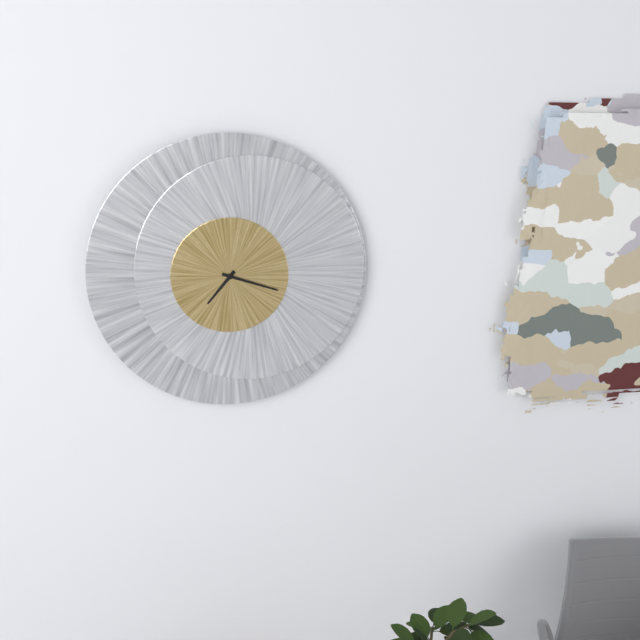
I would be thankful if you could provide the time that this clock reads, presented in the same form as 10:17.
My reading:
7:18
